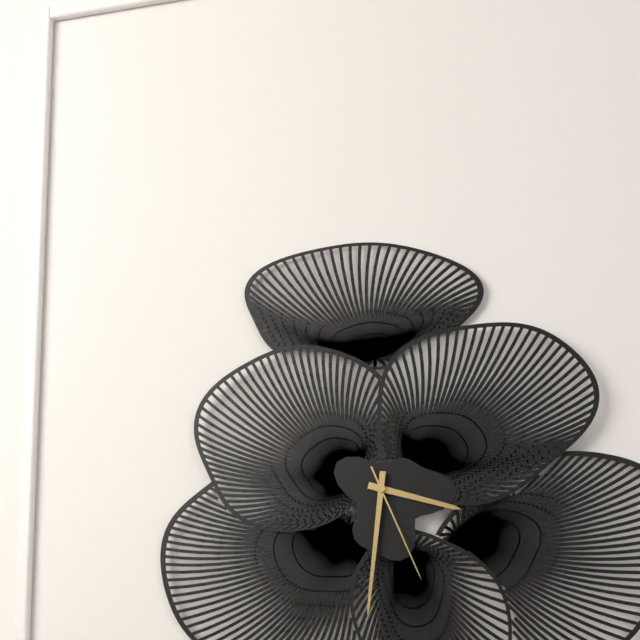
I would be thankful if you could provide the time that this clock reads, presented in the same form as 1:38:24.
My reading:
3:31:26
